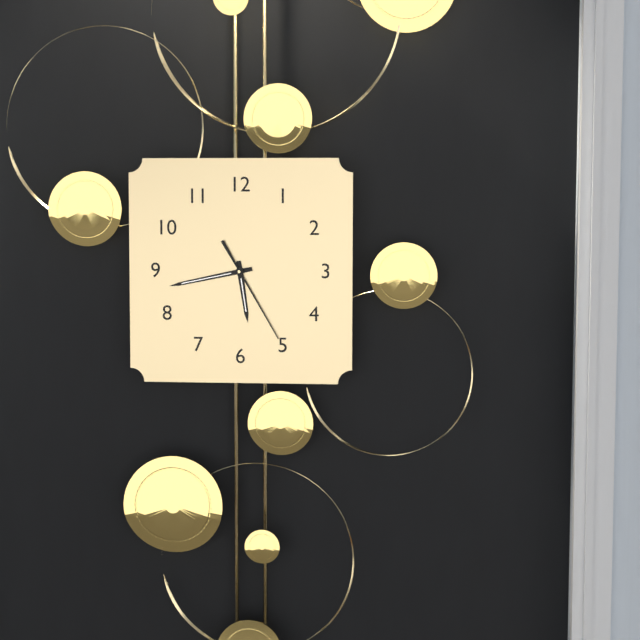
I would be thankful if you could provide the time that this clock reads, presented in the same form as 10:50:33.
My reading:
5:43:25
